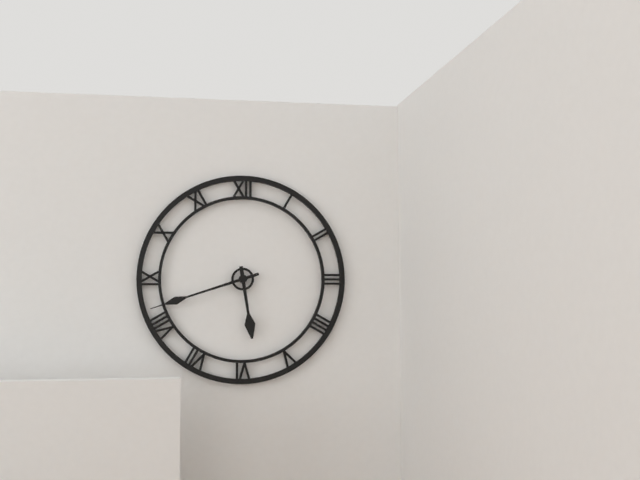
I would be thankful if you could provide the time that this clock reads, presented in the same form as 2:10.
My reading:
5:42
